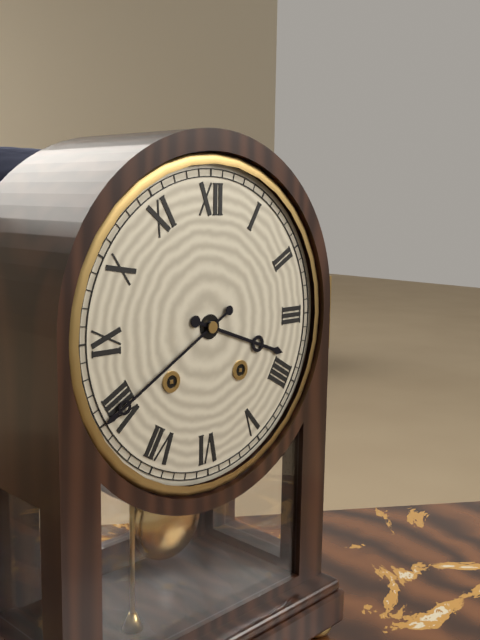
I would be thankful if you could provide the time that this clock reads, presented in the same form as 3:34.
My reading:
3:40
